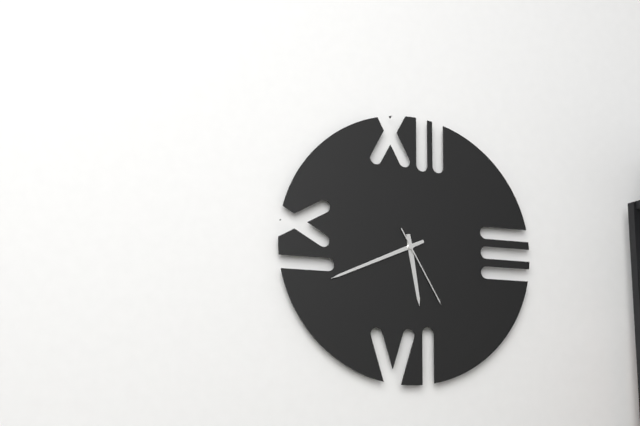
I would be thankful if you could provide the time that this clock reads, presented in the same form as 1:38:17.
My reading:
5:41:25
